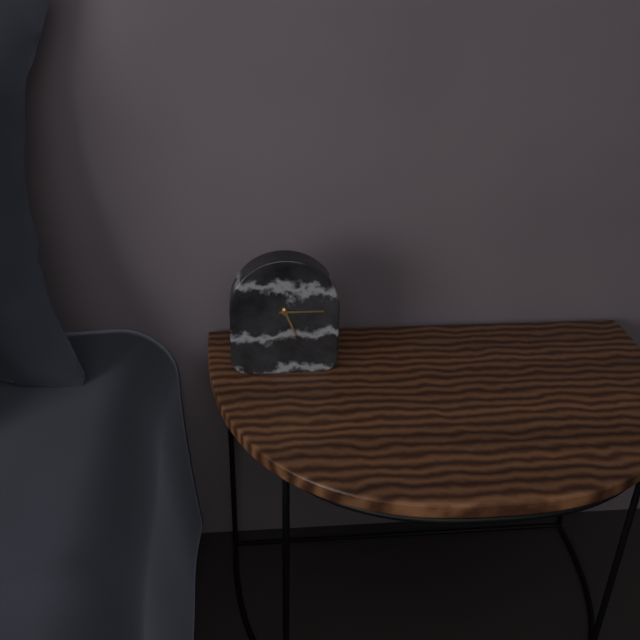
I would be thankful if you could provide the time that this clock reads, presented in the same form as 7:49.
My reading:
5:15
